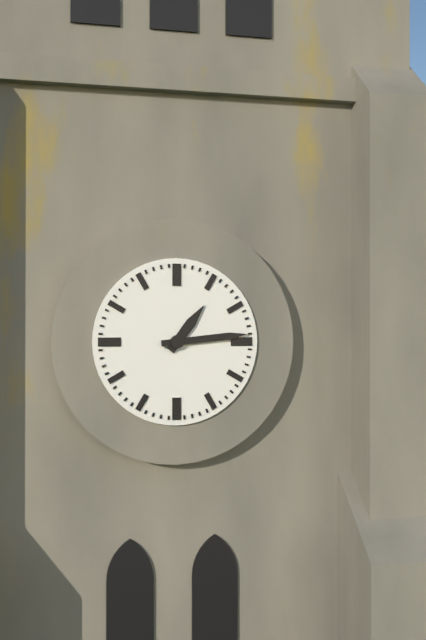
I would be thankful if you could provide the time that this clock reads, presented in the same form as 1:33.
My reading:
1:14
